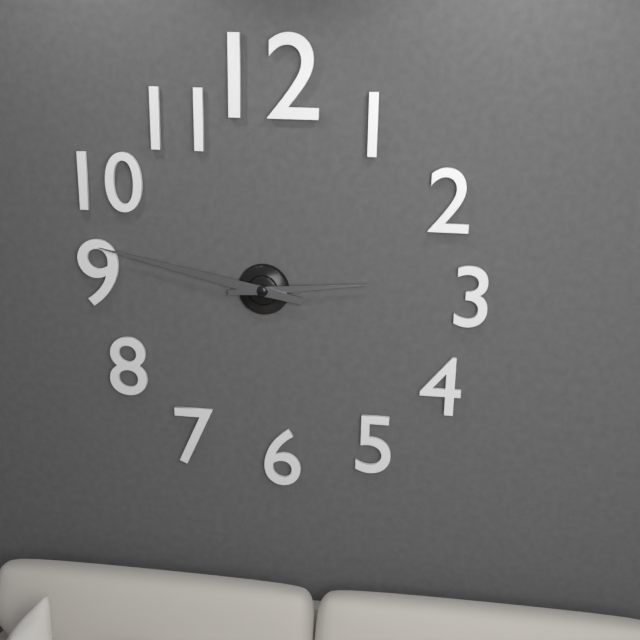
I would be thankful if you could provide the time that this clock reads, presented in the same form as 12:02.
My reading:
2:47
